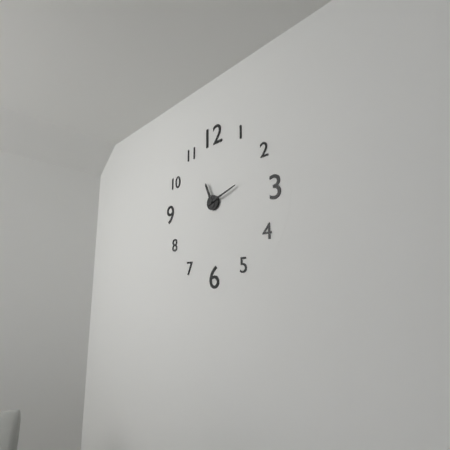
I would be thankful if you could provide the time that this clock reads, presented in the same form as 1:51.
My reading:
11:12
